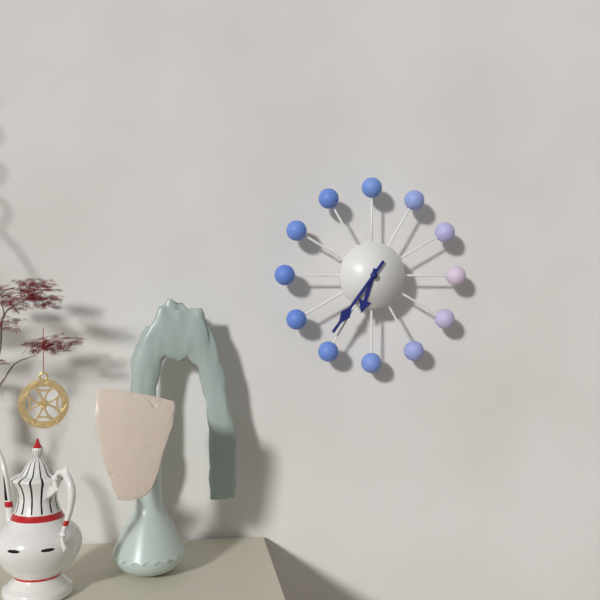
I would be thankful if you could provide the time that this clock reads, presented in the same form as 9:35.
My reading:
6:36
